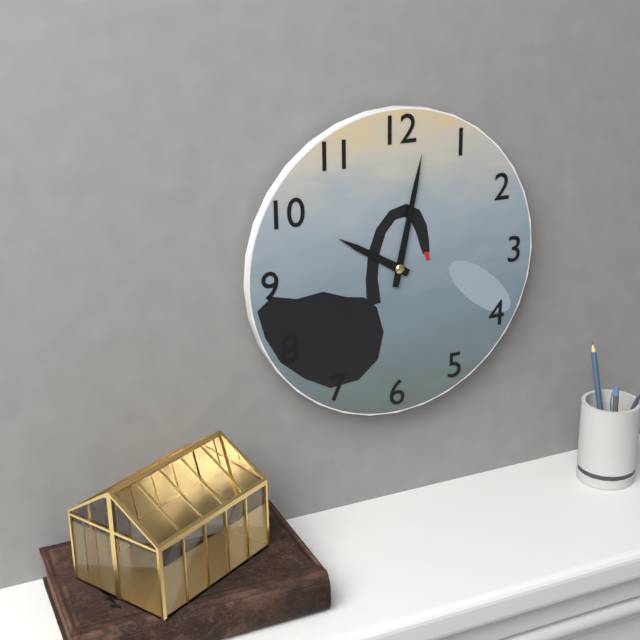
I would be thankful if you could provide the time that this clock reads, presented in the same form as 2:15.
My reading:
10:02
